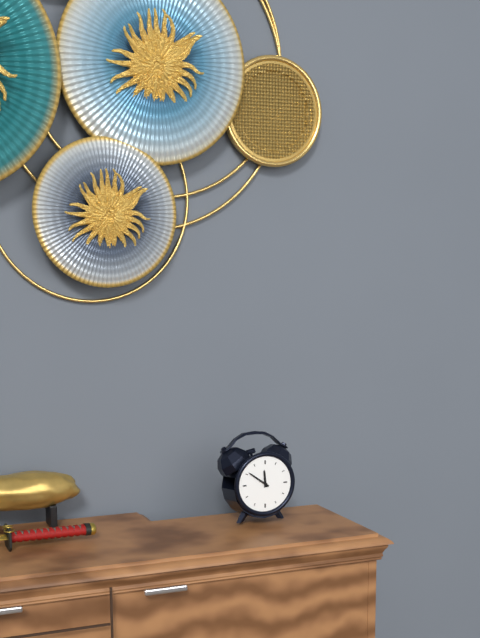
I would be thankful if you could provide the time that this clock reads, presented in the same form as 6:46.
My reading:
11:51
